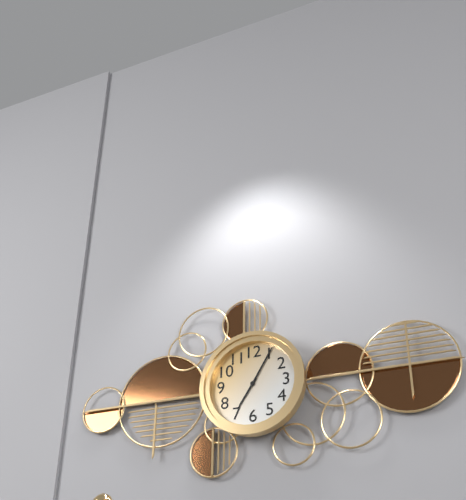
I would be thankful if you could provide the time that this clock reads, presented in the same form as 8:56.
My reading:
7:05
